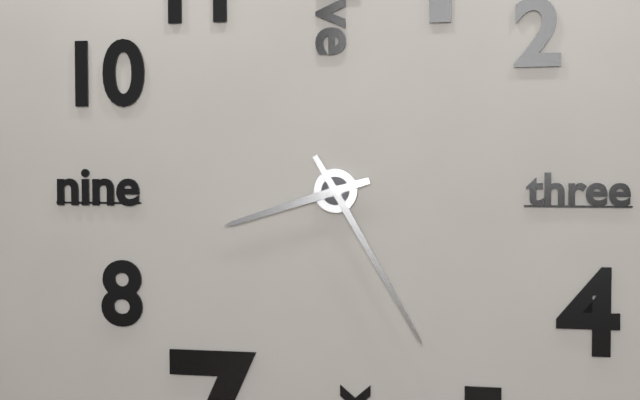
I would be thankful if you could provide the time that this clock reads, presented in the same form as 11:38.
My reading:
8:25
